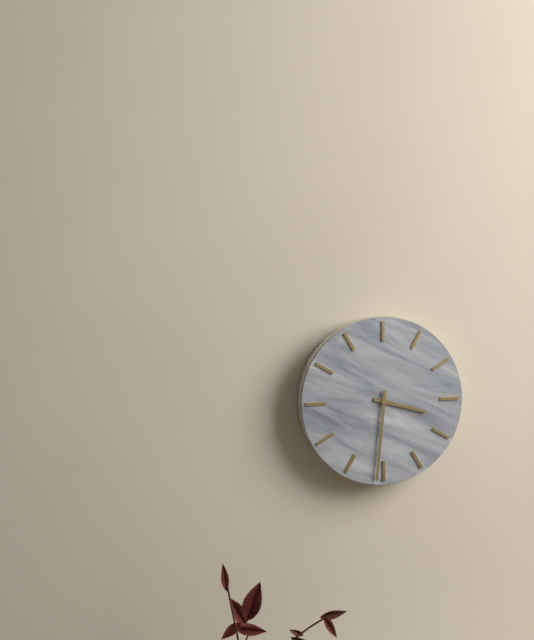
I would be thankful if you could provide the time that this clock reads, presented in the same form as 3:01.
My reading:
3:31
